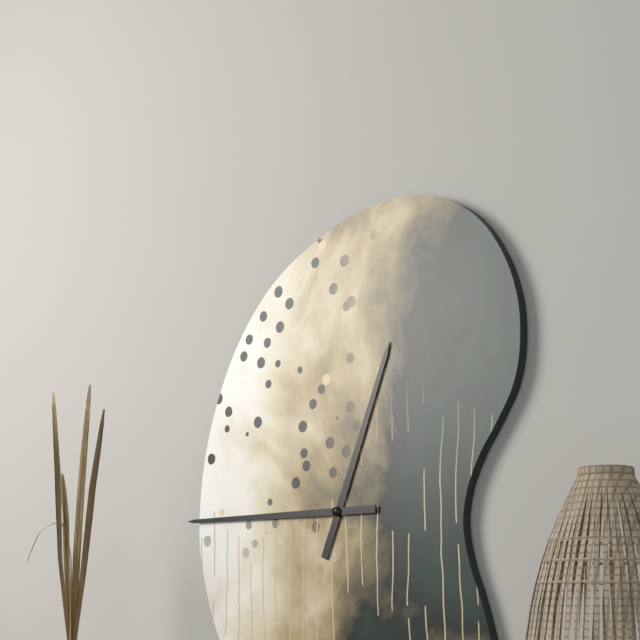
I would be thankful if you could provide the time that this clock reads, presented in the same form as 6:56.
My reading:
12:45
